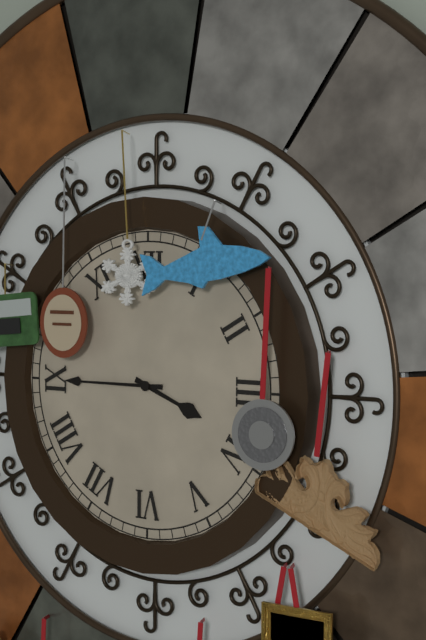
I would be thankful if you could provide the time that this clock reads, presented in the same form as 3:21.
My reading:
3:45
